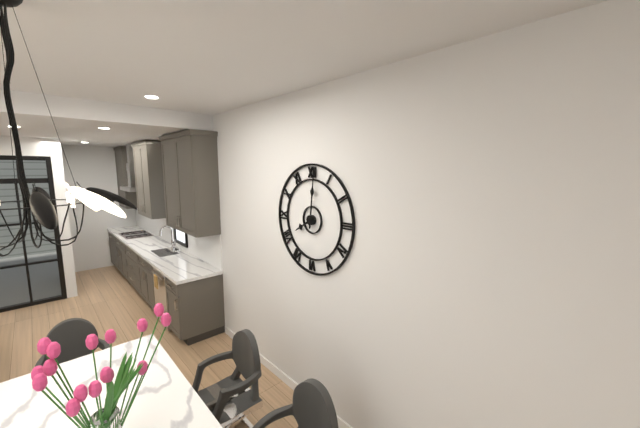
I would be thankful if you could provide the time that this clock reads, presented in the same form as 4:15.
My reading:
8:01
